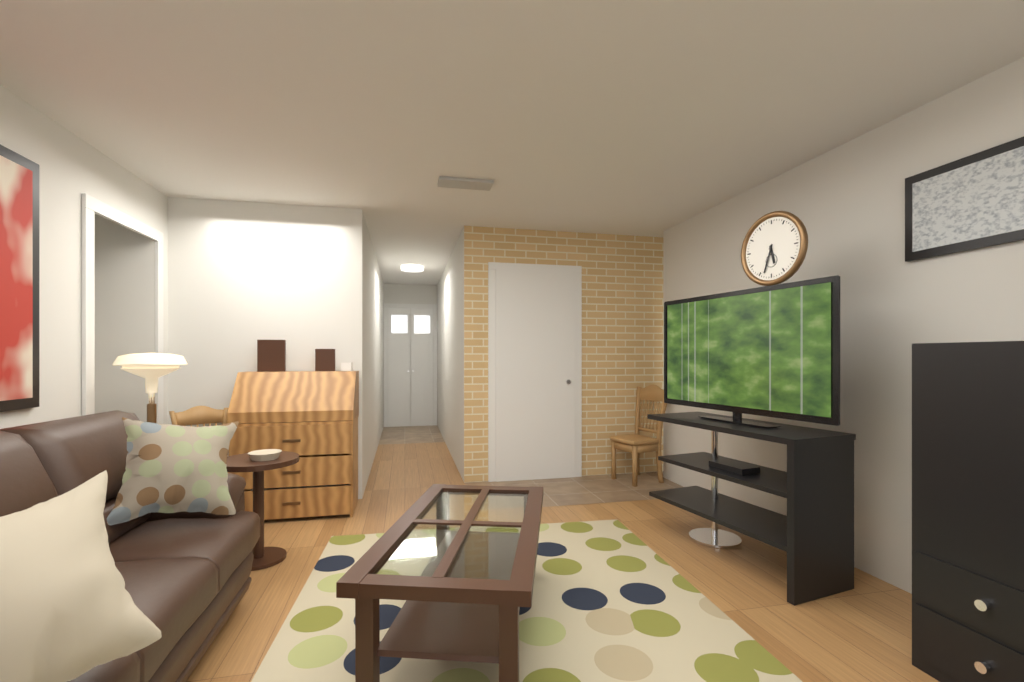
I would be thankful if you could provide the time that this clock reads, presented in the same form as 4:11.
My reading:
5:33
